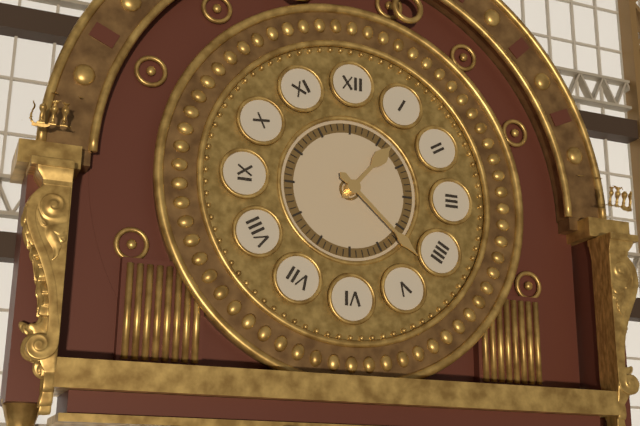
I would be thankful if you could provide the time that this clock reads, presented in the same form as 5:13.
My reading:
1:22
